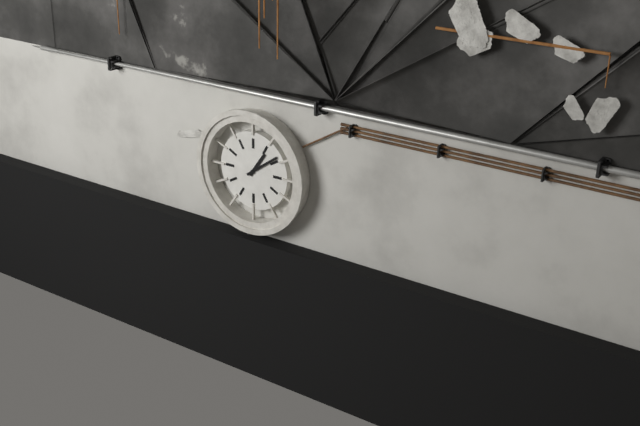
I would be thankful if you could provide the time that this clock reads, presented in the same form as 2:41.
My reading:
1:09
